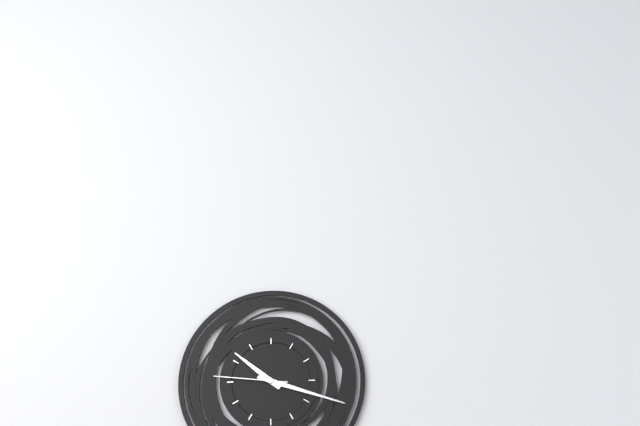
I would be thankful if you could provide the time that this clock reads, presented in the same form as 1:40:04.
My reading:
10:18:46
